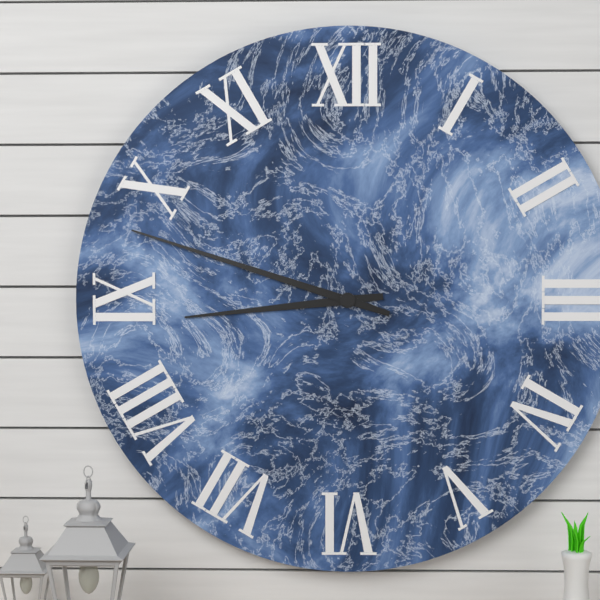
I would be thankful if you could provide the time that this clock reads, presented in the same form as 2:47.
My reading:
8:48
